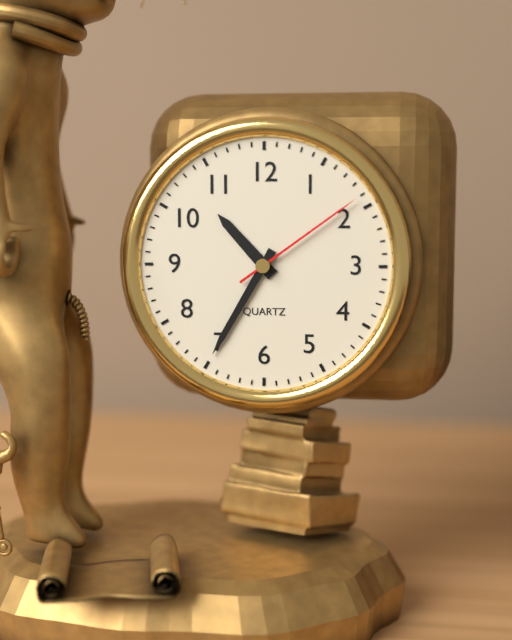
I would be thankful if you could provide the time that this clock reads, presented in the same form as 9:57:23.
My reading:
10:35:09
